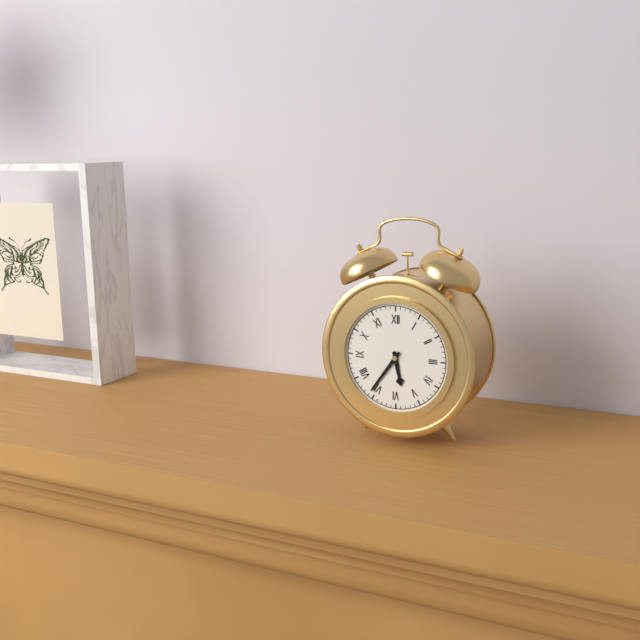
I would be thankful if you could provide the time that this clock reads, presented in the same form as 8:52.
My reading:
5:36
